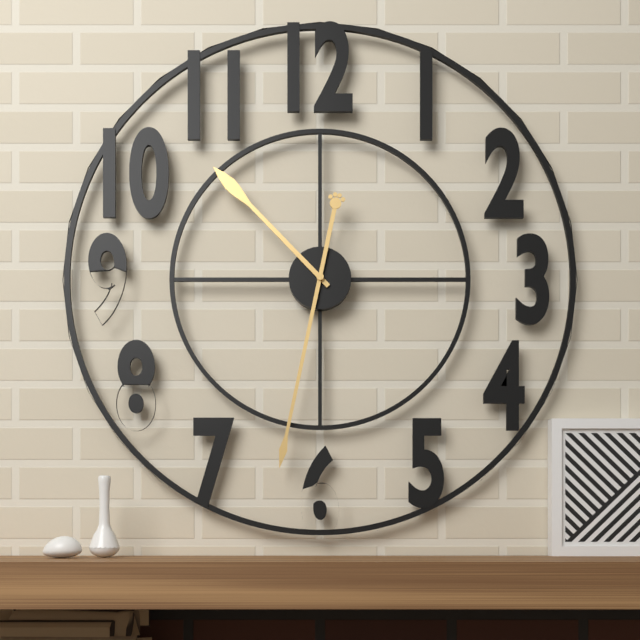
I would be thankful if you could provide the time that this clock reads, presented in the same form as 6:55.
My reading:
10:32
